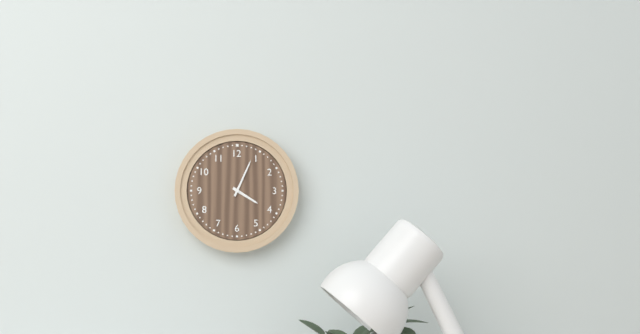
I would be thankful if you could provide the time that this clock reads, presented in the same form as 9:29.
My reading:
4:04
